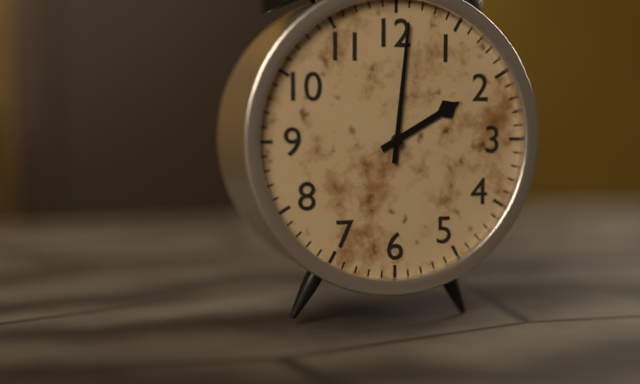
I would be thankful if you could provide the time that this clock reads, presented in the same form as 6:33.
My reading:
2:01
